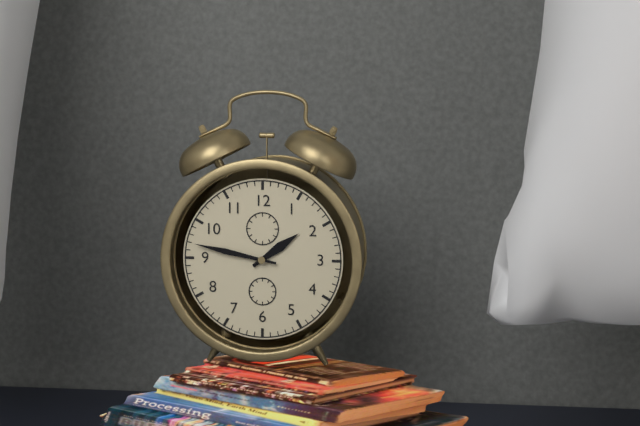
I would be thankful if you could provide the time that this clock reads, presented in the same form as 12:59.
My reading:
1:47
